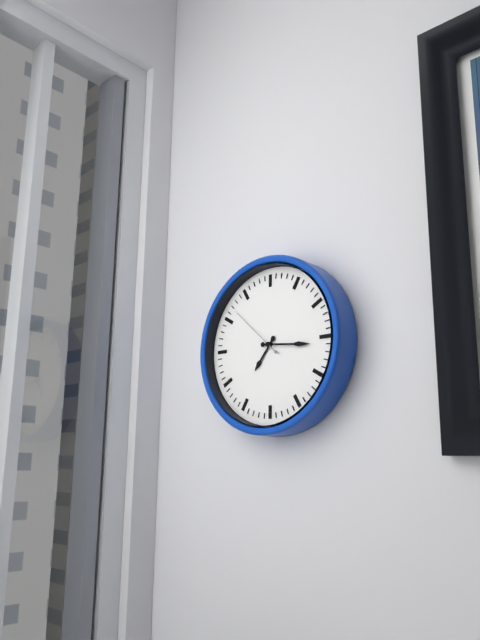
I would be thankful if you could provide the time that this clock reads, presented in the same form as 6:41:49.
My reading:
7:16:52
